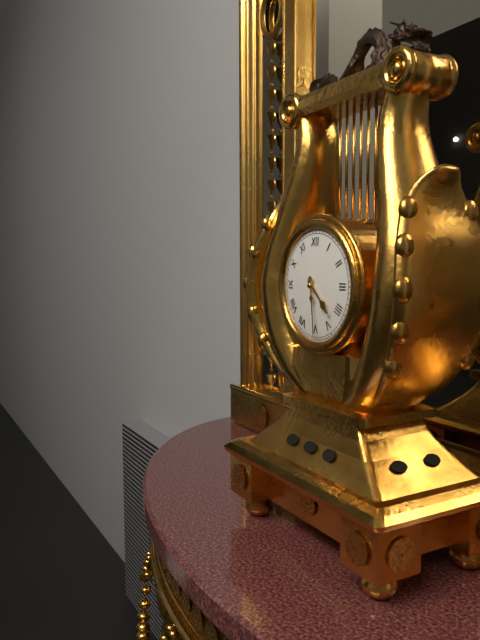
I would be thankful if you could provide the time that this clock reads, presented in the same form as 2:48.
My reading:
4:29
